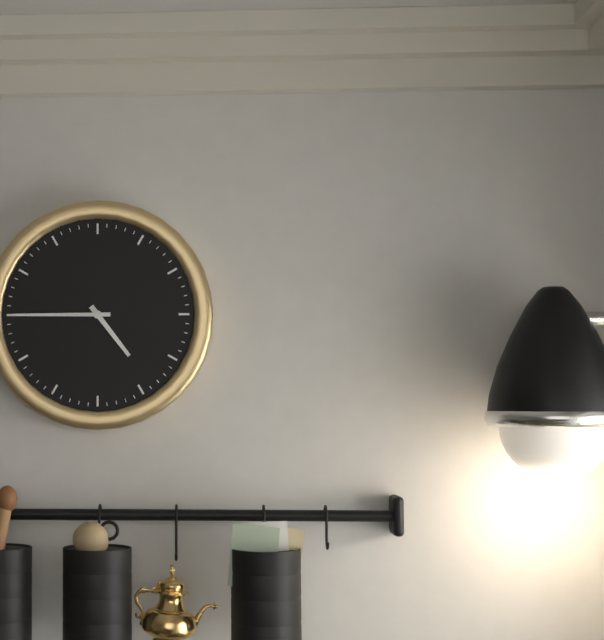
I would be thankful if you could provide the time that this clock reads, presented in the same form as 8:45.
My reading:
4:45
